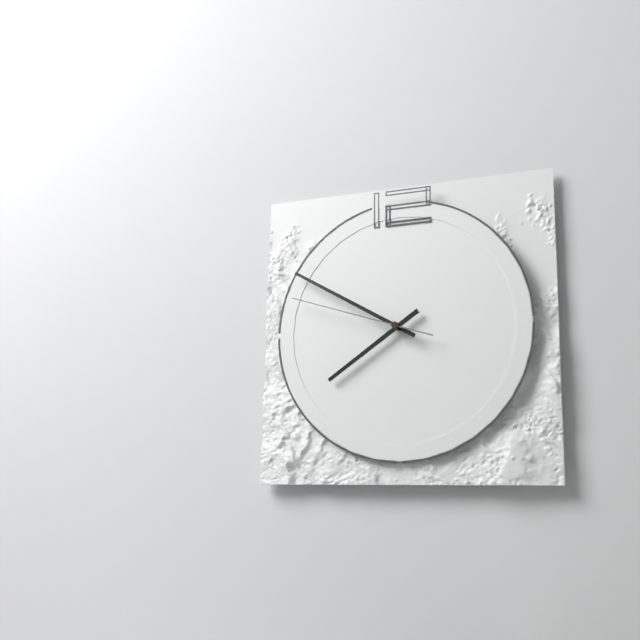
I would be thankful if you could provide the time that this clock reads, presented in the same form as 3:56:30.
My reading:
7:50:48
